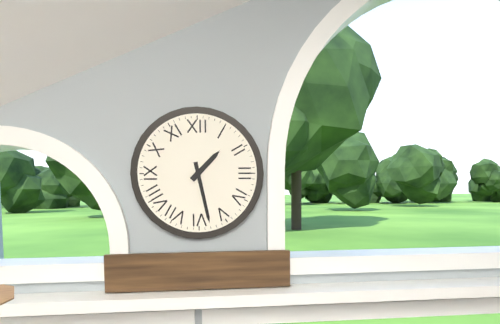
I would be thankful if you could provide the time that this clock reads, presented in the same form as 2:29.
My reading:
1:28
